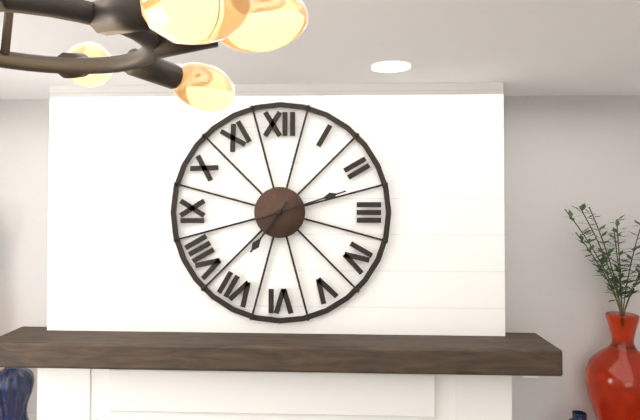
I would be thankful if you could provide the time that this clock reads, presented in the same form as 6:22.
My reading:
7:12
